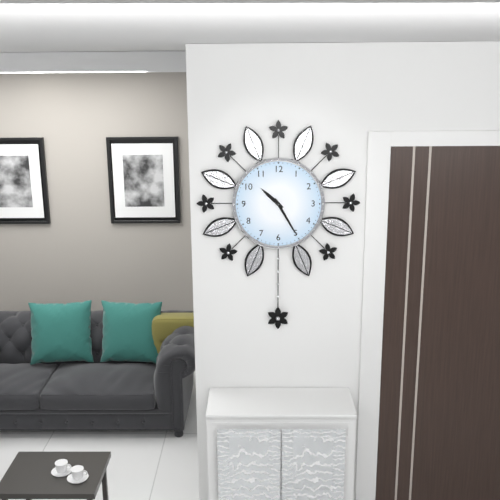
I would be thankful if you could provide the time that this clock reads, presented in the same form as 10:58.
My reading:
10:25
